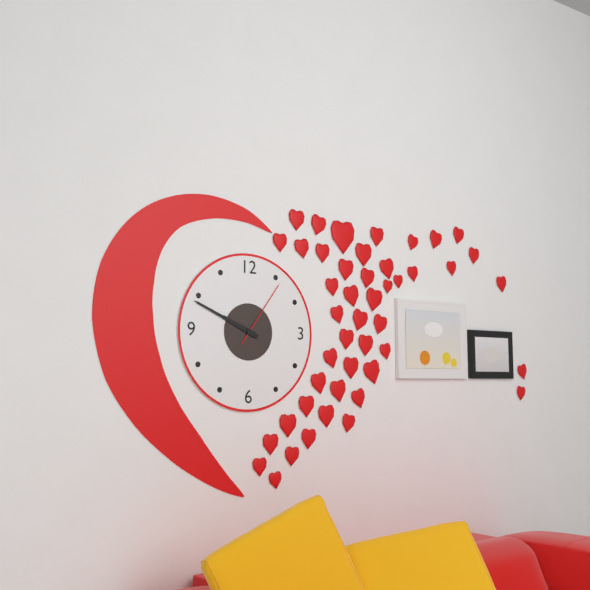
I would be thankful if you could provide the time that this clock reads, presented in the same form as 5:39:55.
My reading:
9:49:06
